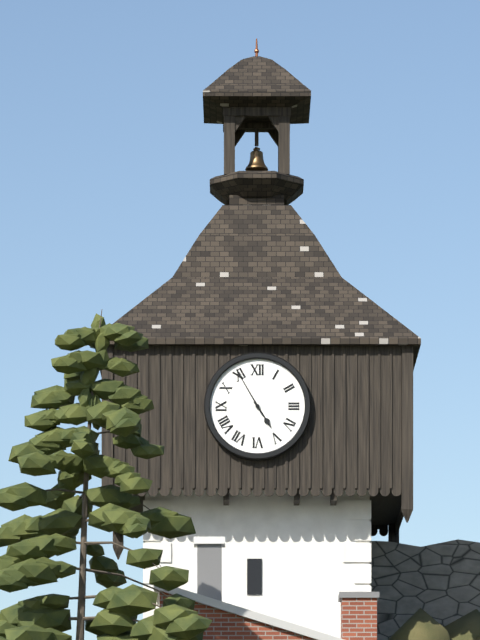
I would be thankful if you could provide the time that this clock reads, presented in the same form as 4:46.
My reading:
4:55
